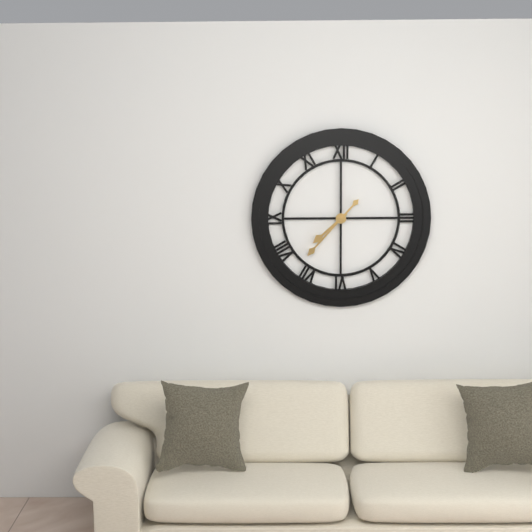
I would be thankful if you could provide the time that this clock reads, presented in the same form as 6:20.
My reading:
7:37
